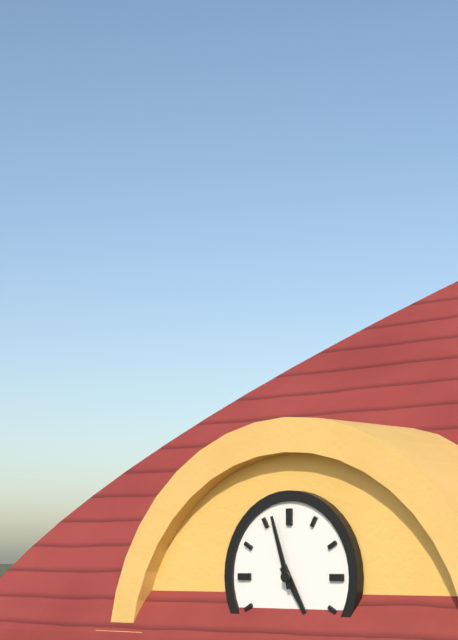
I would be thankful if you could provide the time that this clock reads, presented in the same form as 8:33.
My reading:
4:57
